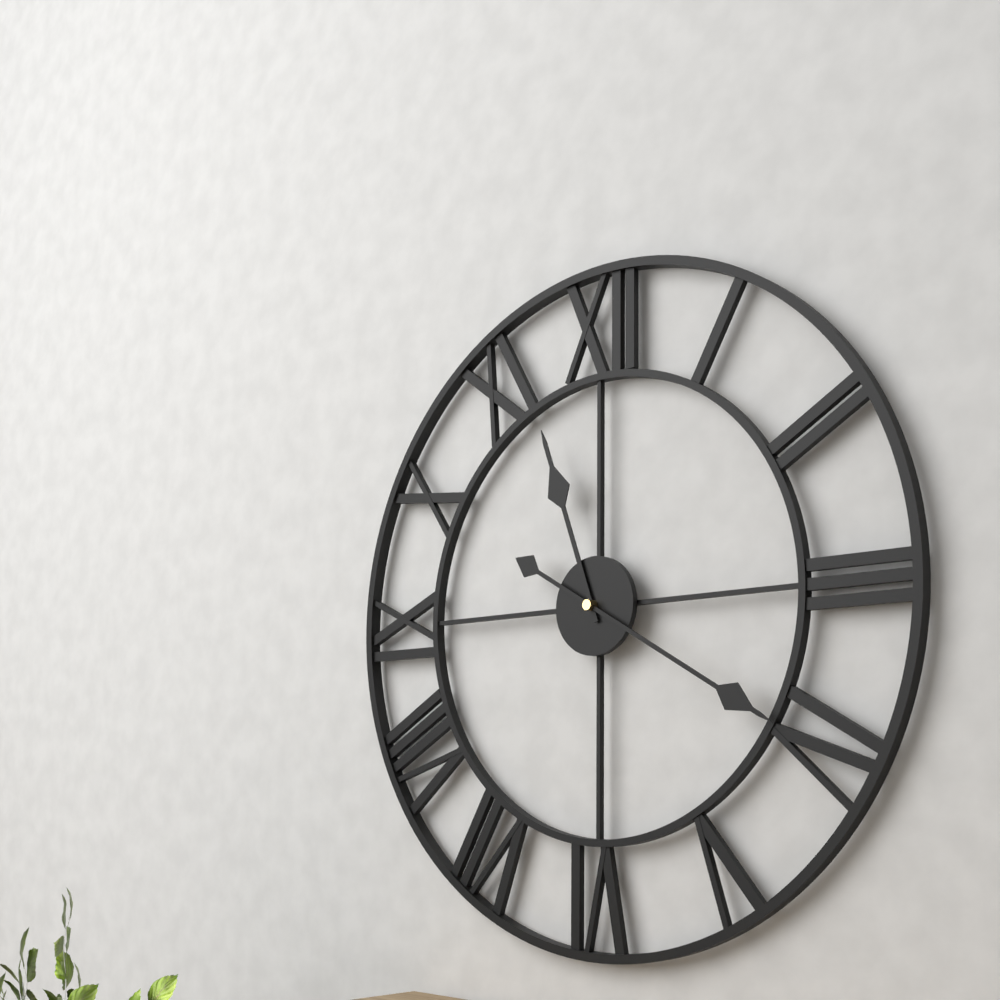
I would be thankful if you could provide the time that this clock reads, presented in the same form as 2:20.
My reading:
11:20
